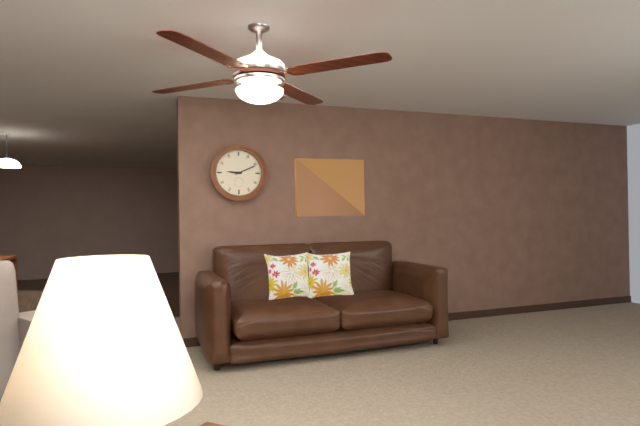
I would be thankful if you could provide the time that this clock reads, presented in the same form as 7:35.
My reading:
9:11
